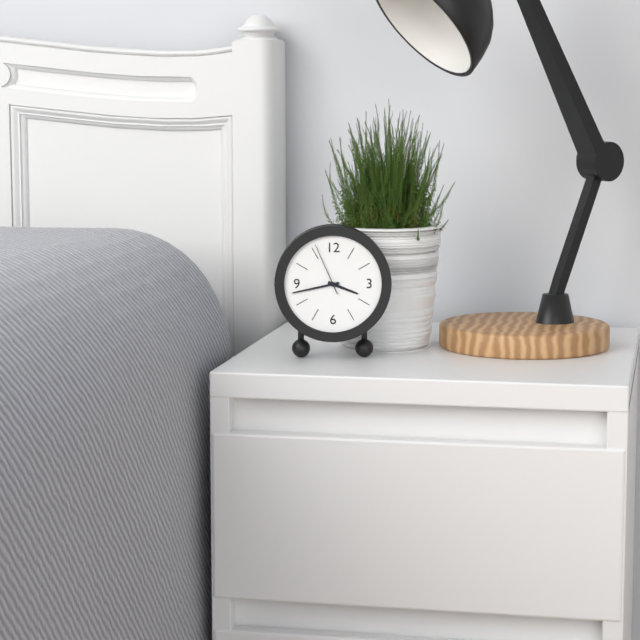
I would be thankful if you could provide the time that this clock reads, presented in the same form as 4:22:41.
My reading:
3:43:56
